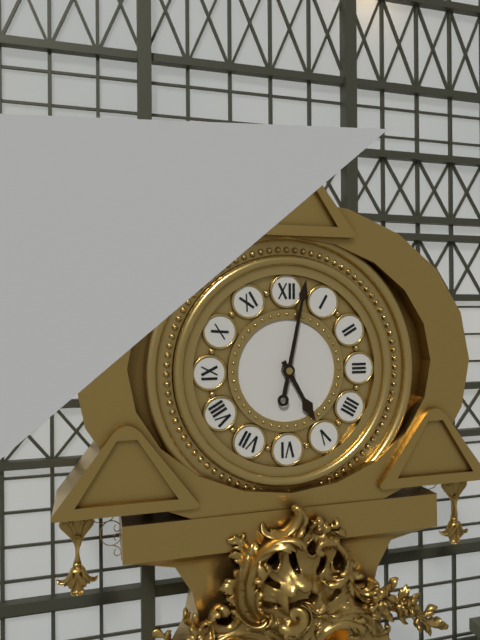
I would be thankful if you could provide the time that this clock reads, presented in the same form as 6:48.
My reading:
5:02
